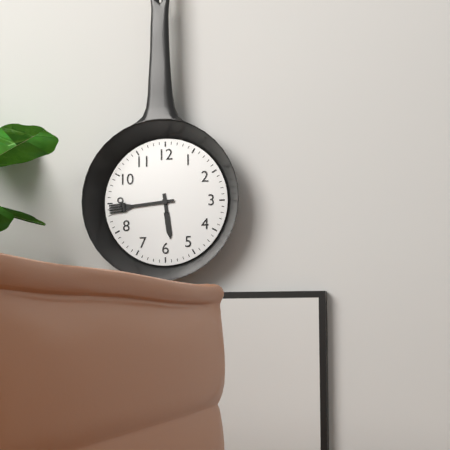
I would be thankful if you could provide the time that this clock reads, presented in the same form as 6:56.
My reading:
5:44
